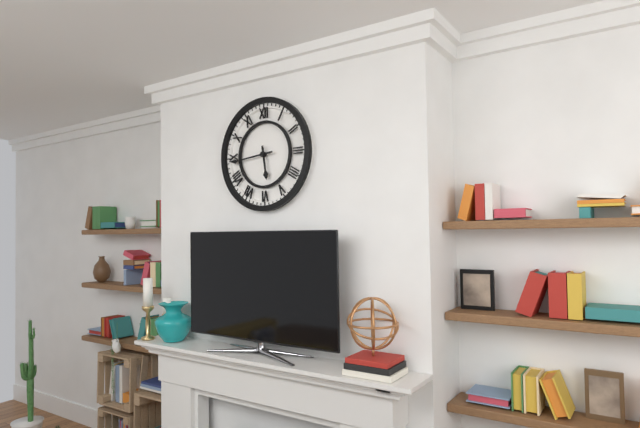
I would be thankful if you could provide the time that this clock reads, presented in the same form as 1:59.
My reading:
5:44
